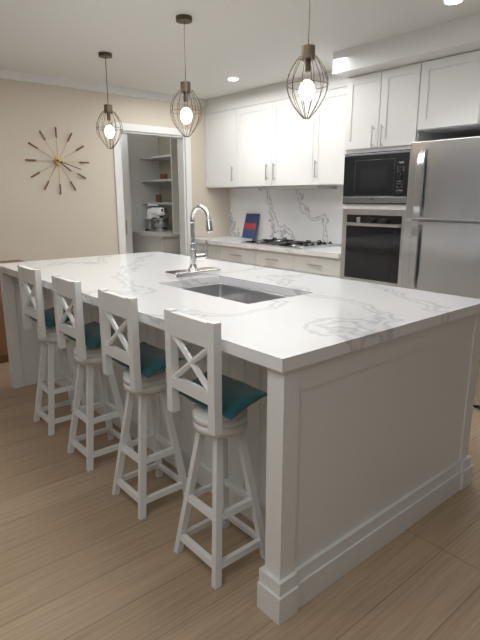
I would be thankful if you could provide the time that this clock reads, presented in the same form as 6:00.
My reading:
4:18
